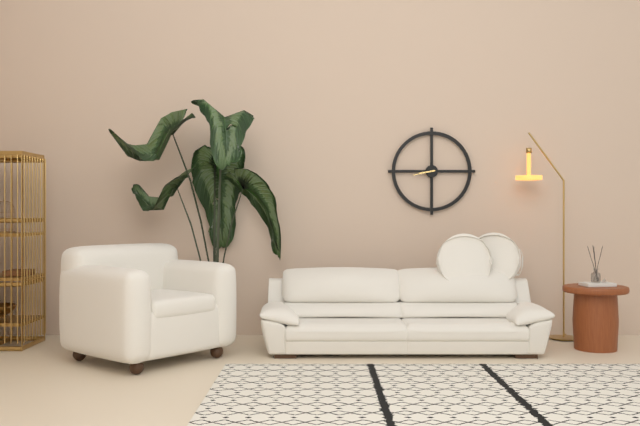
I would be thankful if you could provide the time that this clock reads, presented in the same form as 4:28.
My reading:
8:43
